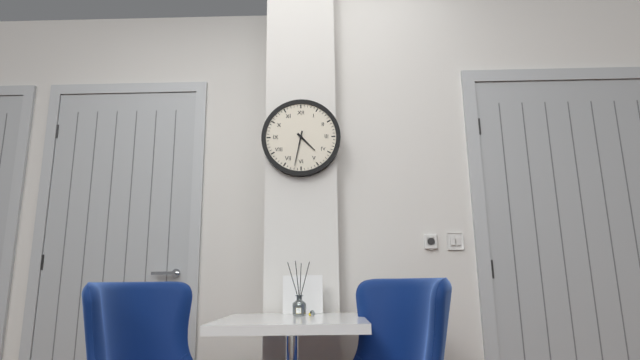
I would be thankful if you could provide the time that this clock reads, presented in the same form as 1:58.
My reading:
4:32
